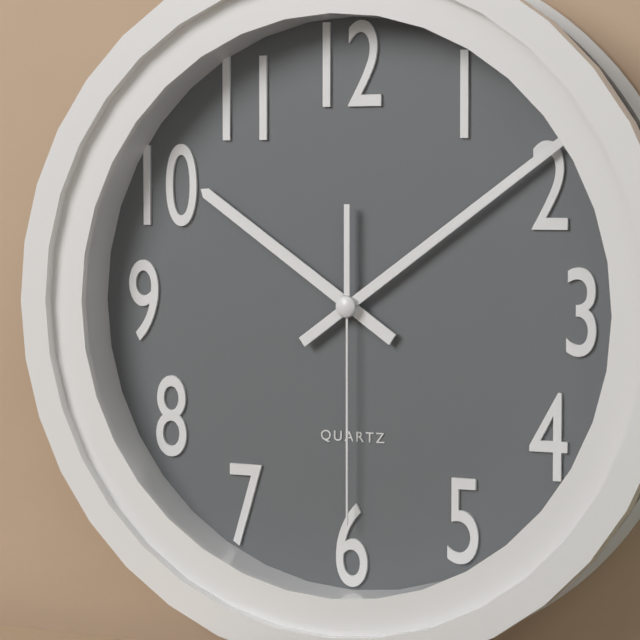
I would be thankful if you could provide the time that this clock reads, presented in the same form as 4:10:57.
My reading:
10:09:30
